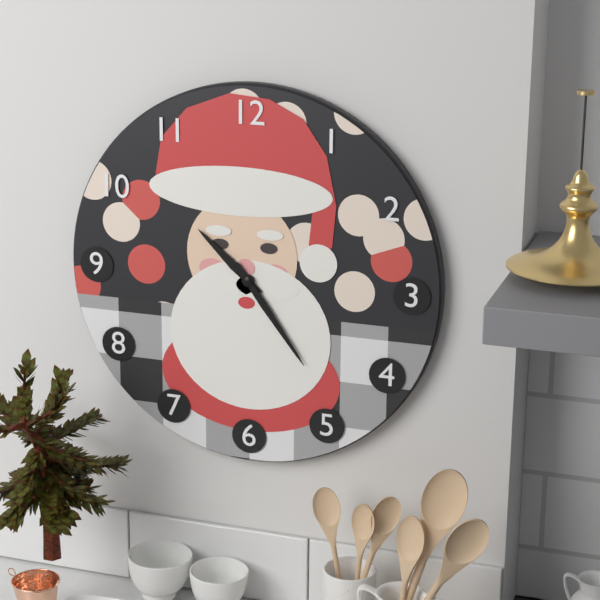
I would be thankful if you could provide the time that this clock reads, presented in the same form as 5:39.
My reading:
10:24
